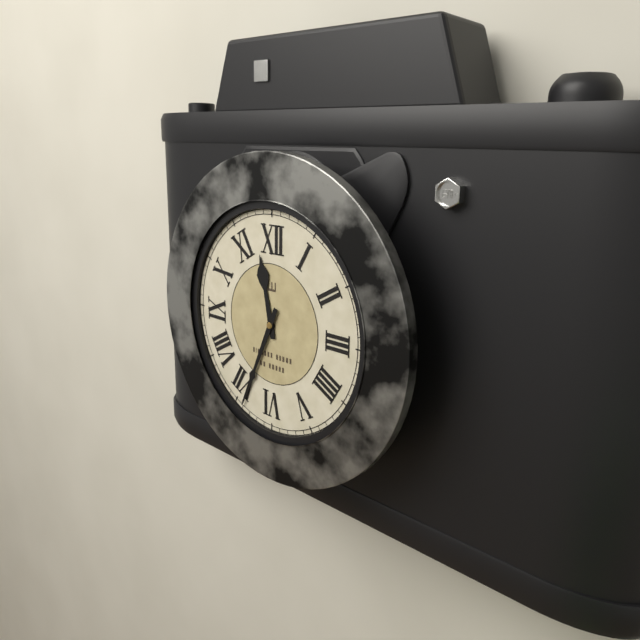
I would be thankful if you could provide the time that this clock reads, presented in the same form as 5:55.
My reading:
11:34
